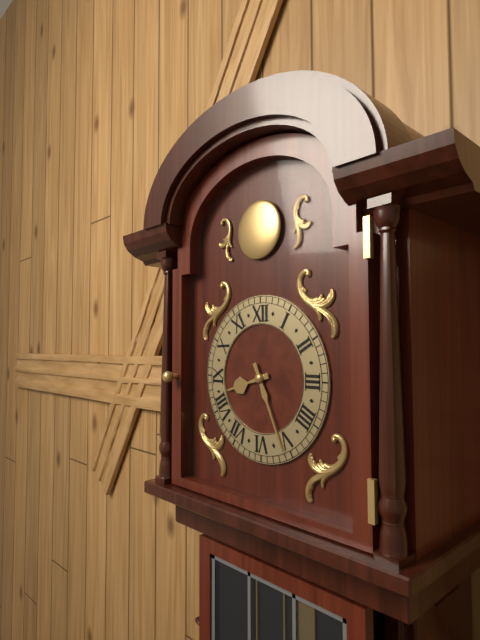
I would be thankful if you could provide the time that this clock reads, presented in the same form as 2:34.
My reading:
8:26
